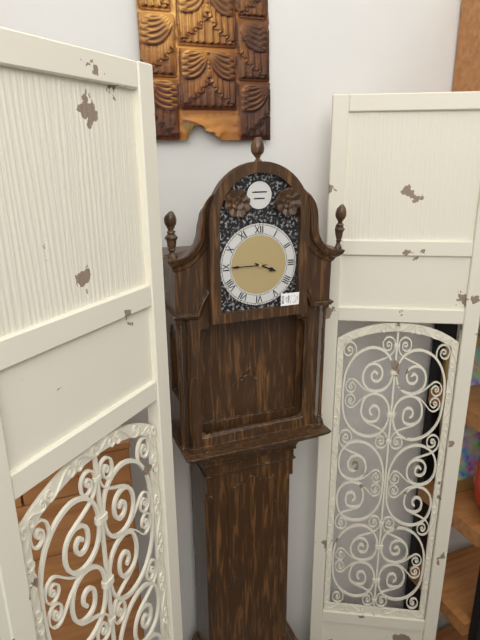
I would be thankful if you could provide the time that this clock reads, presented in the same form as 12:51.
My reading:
3:45
